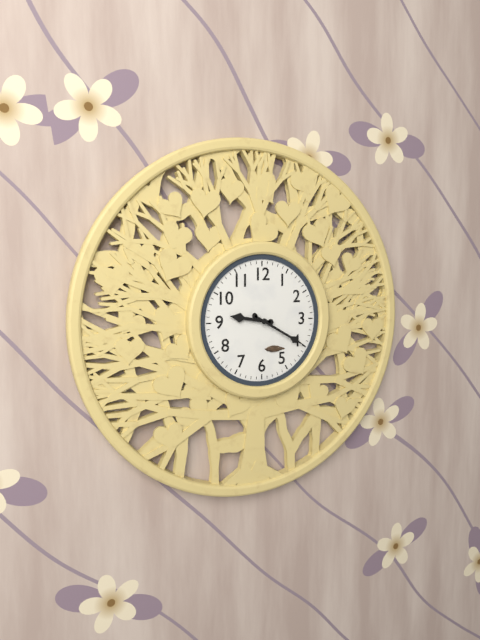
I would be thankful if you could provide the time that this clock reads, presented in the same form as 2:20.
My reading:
9:20
